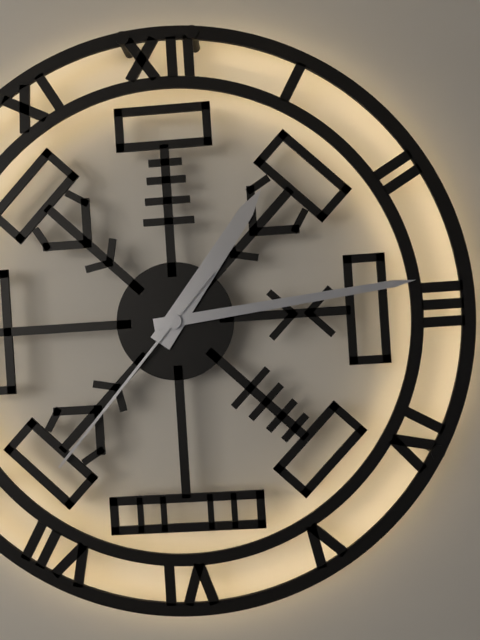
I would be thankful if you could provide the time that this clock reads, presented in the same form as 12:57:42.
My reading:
1:14:37
